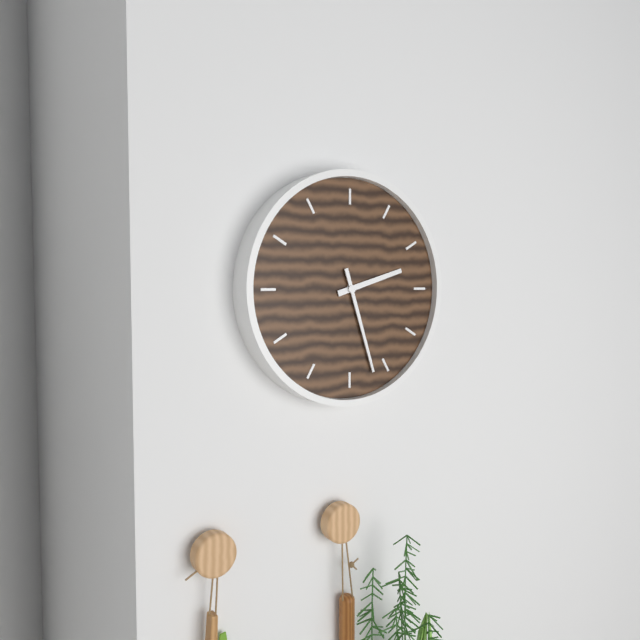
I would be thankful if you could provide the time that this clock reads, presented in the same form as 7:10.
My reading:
2:27
